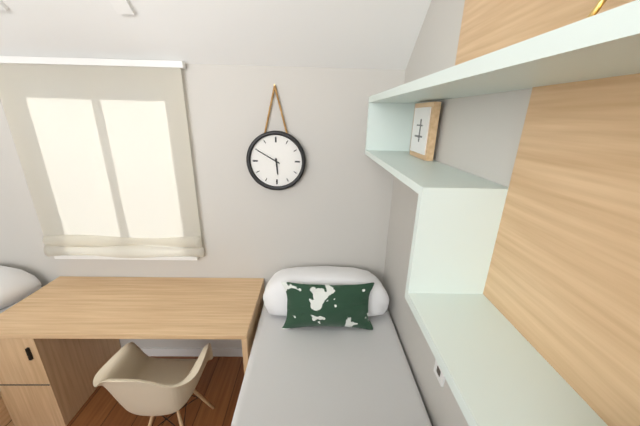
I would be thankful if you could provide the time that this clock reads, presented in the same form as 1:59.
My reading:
5:50
